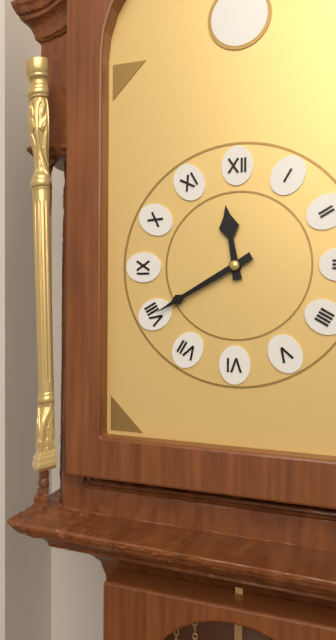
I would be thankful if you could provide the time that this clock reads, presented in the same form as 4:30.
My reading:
11:40
